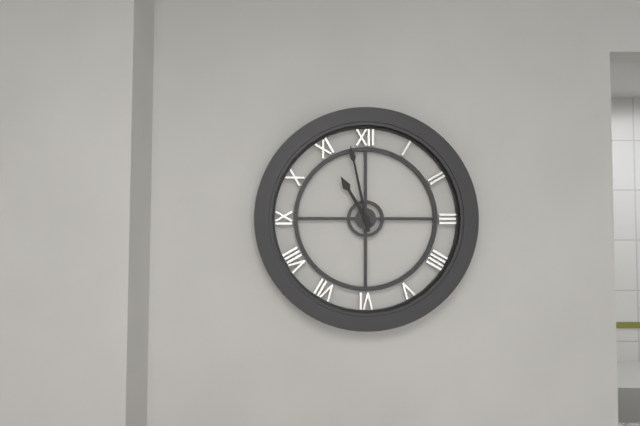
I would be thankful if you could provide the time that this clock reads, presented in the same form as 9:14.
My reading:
10:58
